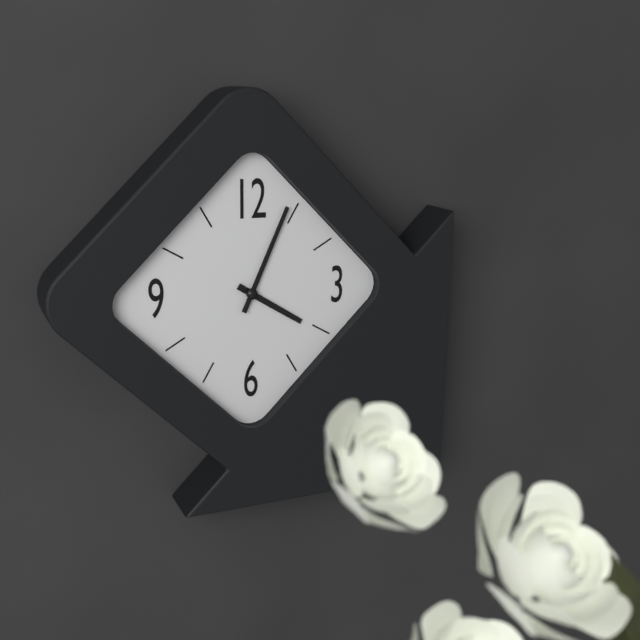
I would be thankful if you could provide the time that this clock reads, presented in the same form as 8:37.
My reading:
4:04
